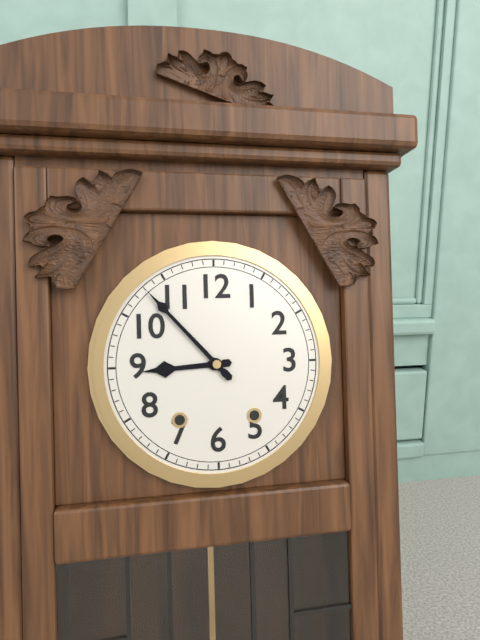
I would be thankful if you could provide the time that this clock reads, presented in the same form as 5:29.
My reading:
8:53
